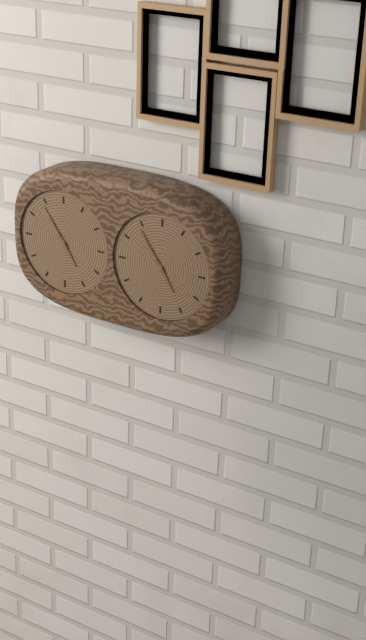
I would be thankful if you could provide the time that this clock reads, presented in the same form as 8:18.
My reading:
4:54
